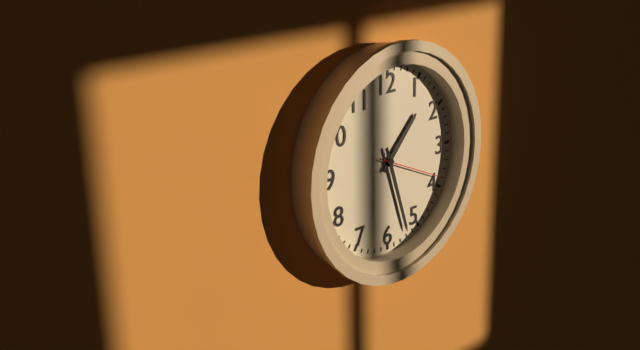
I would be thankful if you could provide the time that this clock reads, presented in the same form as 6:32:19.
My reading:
1:27:19
